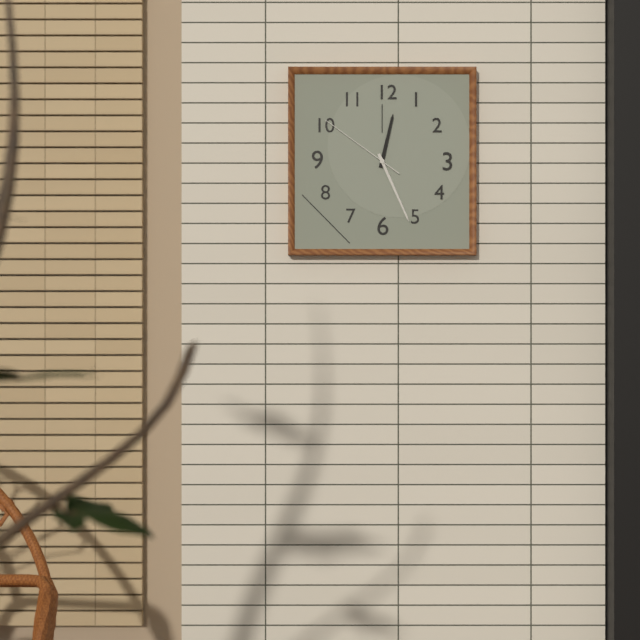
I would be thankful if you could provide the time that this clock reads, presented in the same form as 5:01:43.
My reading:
12:26:51
